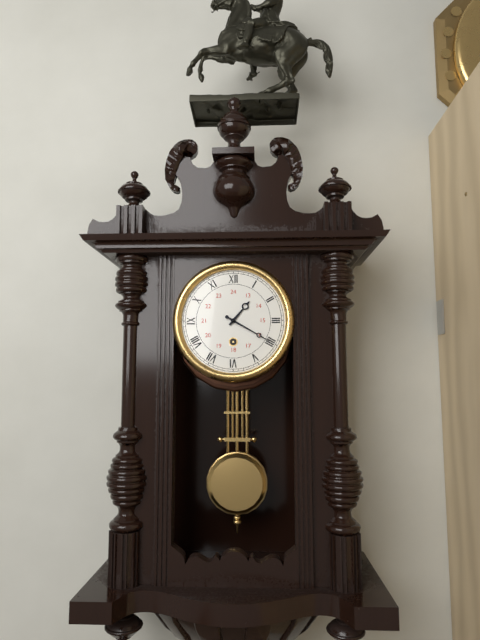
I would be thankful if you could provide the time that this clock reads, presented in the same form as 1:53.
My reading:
1:20
